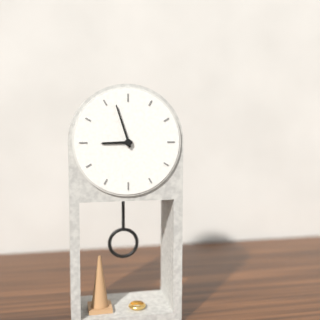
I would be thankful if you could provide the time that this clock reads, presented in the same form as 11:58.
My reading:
8:57
